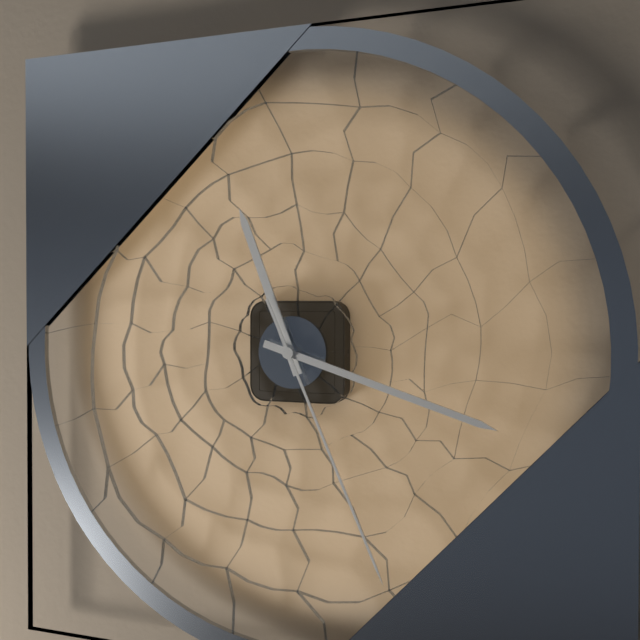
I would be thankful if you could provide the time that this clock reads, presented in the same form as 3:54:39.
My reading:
11:18:26
